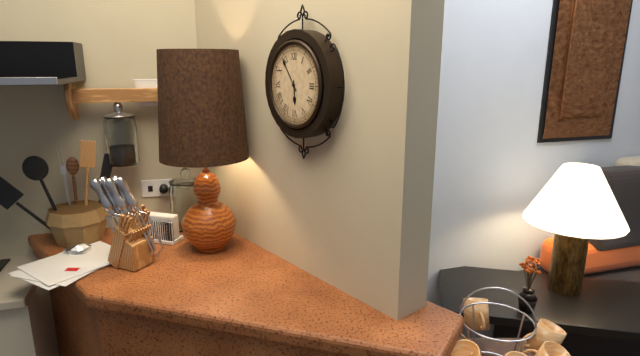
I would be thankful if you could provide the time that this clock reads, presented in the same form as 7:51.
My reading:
5:54
